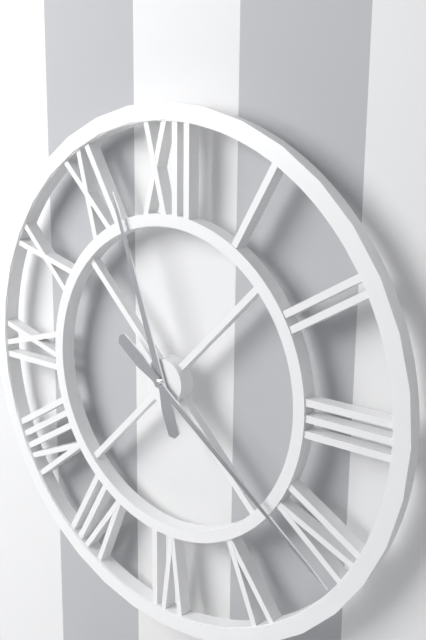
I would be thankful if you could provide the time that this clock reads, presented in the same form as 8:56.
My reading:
11:21
